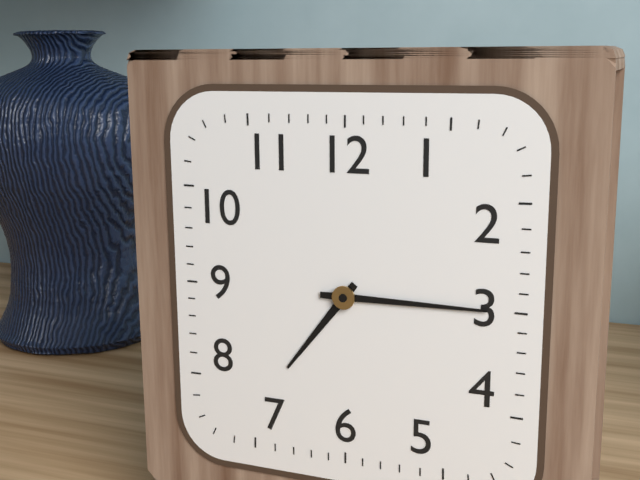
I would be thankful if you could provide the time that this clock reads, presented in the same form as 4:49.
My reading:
7:15
